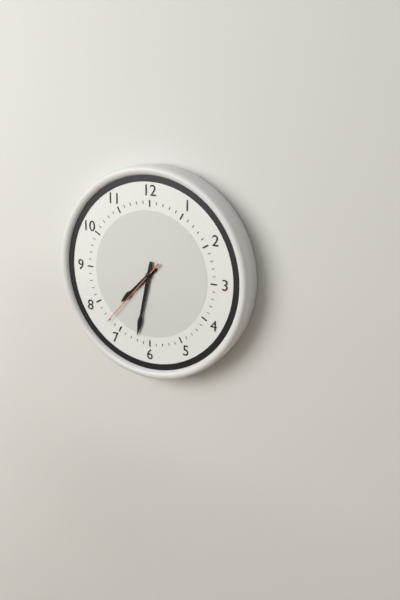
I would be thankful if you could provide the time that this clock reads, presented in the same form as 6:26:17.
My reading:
7:32:37
